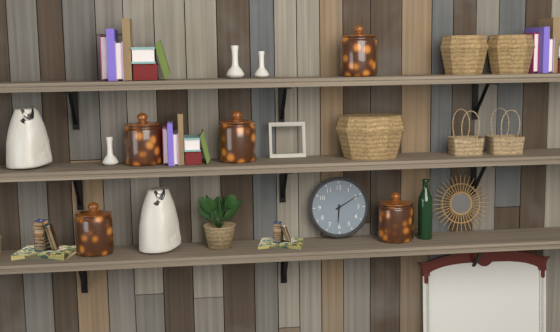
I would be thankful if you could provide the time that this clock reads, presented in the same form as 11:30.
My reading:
6:10
